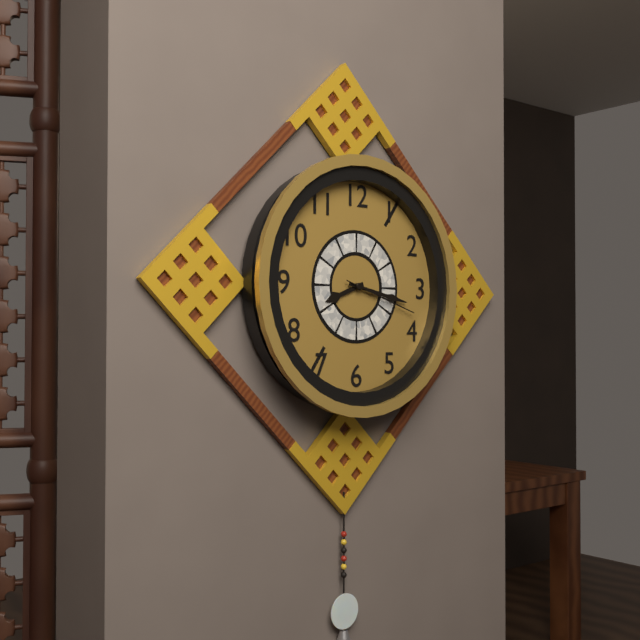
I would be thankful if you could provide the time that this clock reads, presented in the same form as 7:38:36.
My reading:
8:17:18
